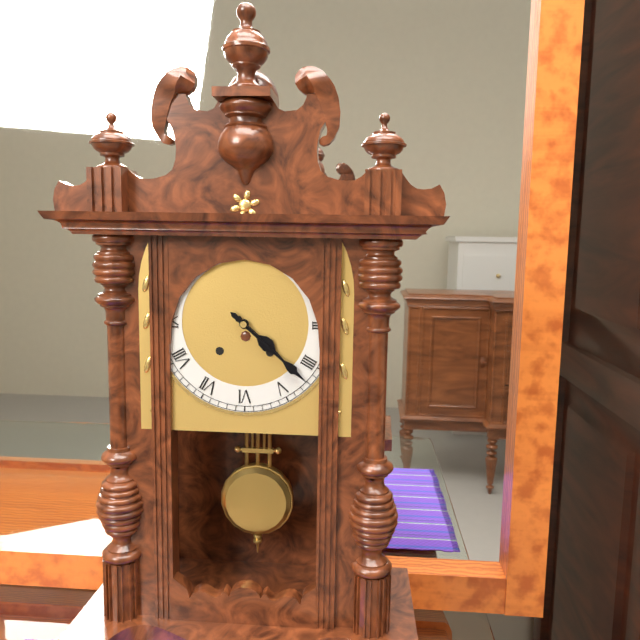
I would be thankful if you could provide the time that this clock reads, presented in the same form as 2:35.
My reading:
4:22
